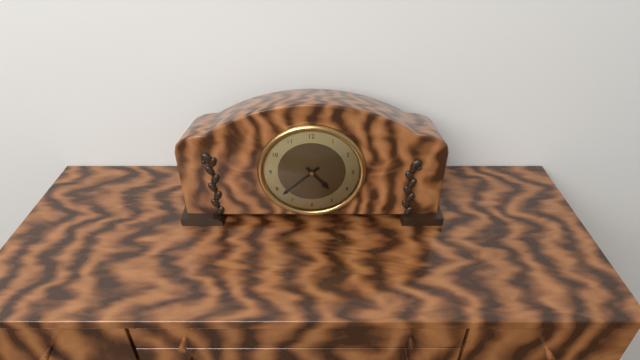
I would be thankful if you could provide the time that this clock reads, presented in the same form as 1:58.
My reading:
4:38
